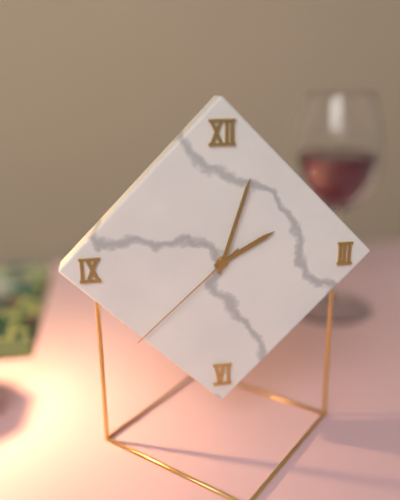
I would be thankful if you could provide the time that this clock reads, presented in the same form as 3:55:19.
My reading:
2:03:38
